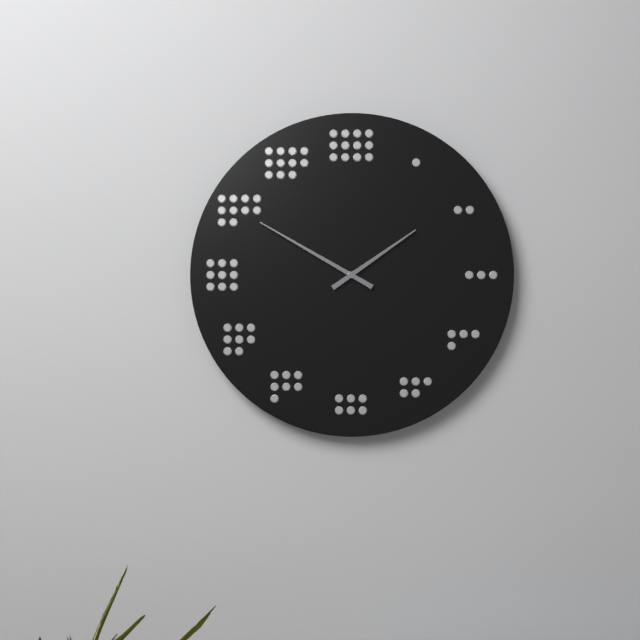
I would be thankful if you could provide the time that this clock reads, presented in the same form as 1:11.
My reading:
1:50
